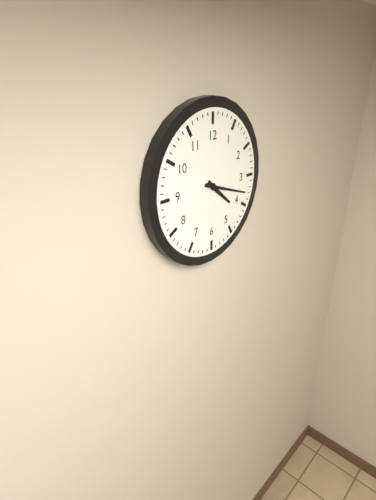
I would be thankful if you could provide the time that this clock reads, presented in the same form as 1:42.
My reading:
4:18
